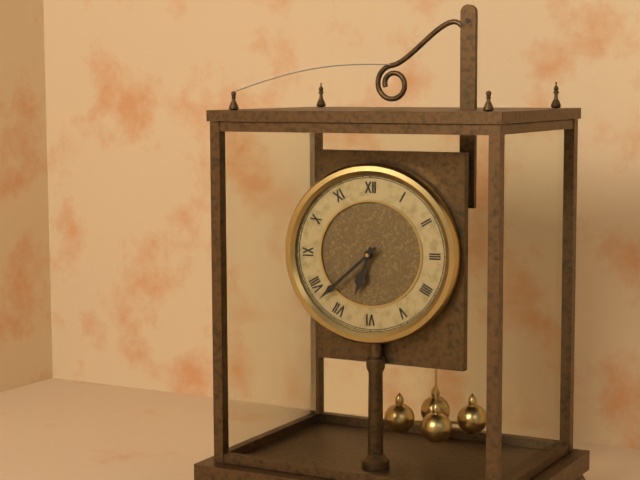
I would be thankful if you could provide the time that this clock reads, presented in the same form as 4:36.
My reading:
6:38
